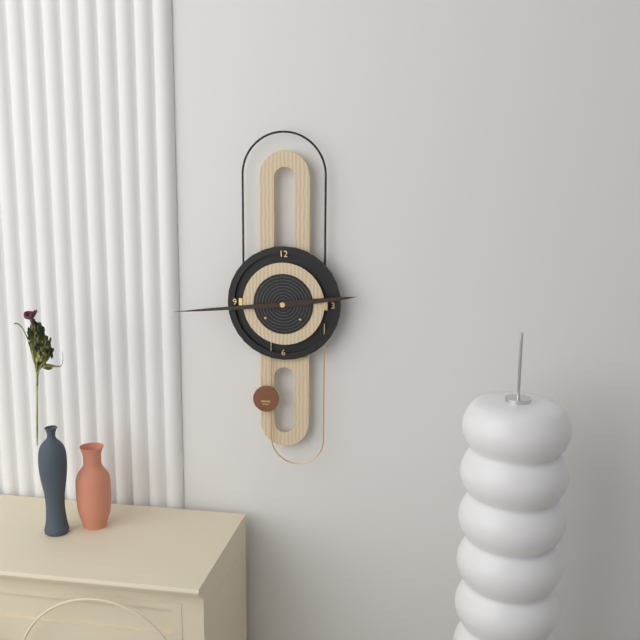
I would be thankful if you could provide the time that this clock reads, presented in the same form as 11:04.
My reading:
2:44
